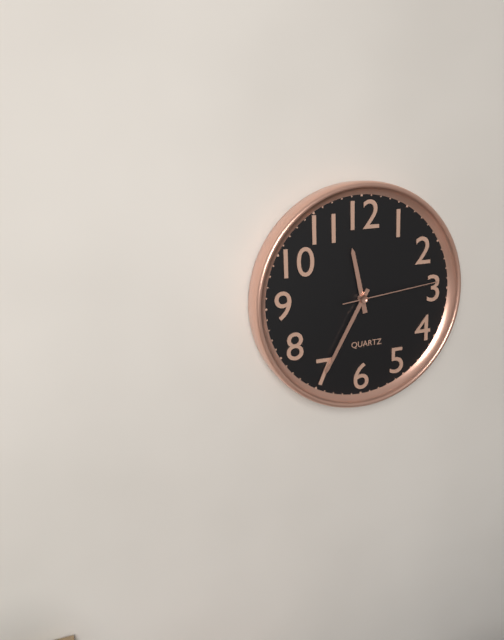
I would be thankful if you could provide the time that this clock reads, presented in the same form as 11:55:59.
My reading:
11:35:14
